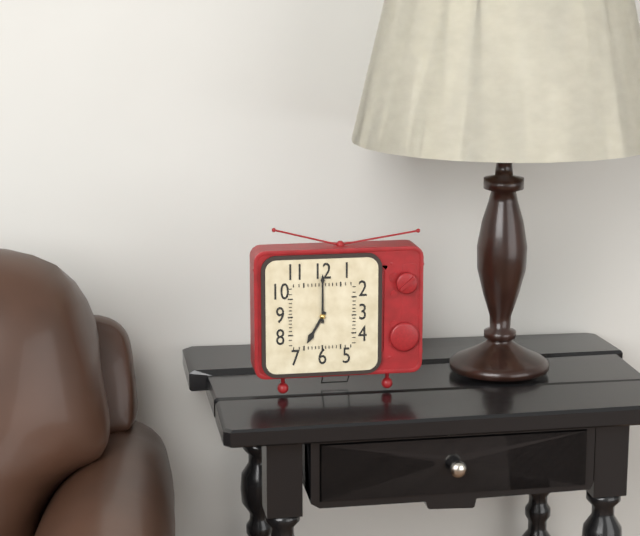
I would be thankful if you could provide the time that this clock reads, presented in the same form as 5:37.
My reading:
7:00
